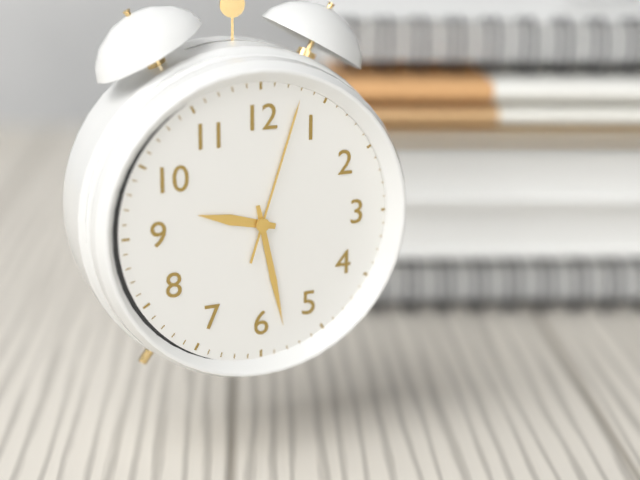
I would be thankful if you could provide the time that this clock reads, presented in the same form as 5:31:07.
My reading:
9:28:03
